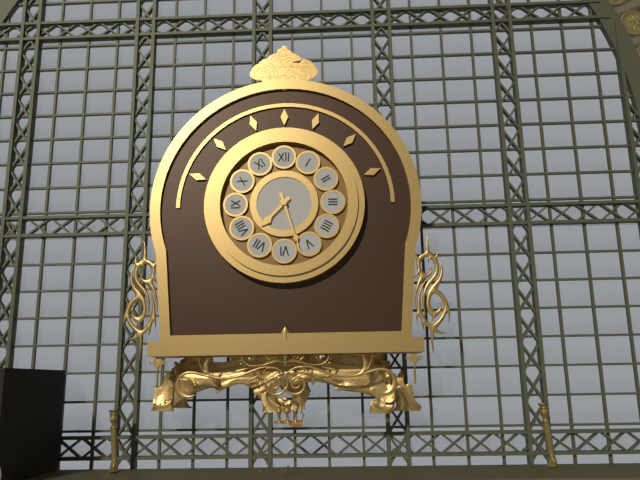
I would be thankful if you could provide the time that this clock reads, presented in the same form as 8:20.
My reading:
7:27
